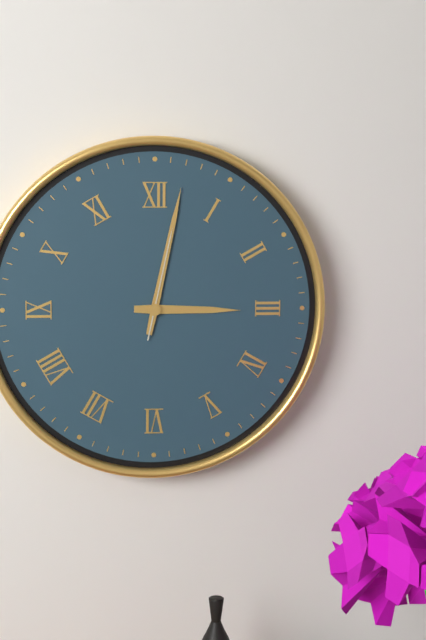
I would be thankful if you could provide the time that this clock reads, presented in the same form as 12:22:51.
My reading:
3:02:02
